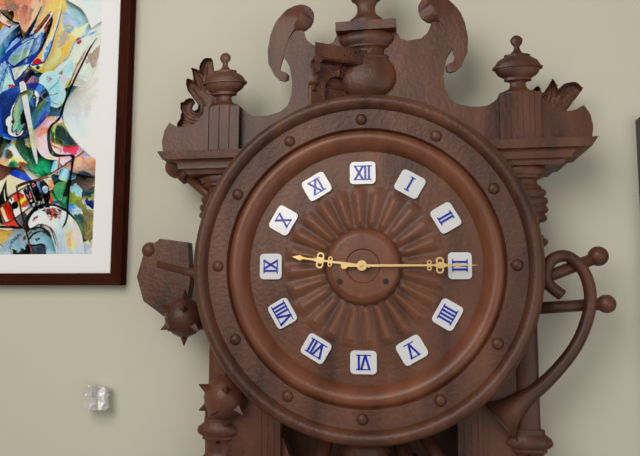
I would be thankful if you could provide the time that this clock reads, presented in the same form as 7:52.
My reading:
9:15
